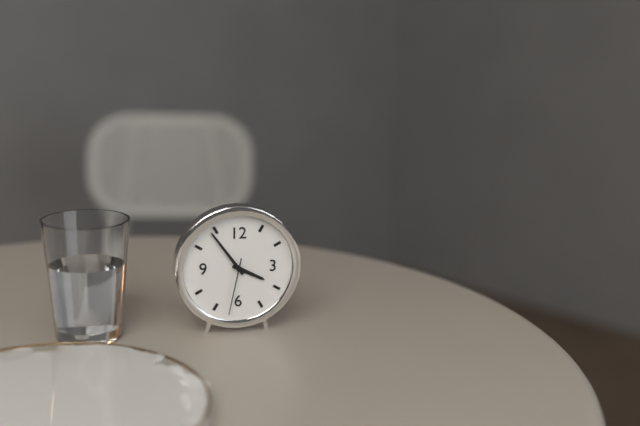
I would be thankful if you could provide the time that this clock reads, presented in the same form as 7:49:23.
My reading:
3:54:32
